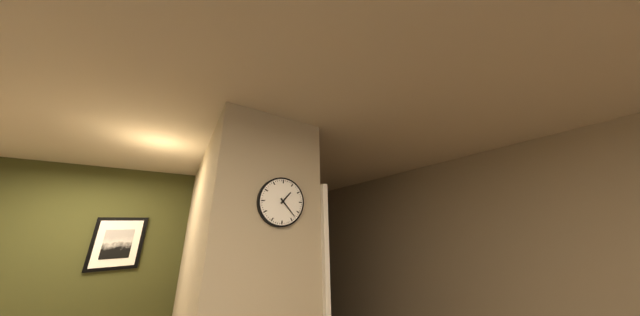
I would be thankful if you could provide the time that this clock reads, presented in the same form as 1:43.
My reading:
1:23
